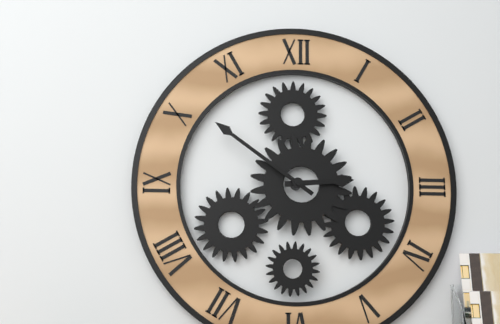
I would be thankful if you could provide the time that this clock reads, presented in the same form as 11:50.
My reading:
2:51
